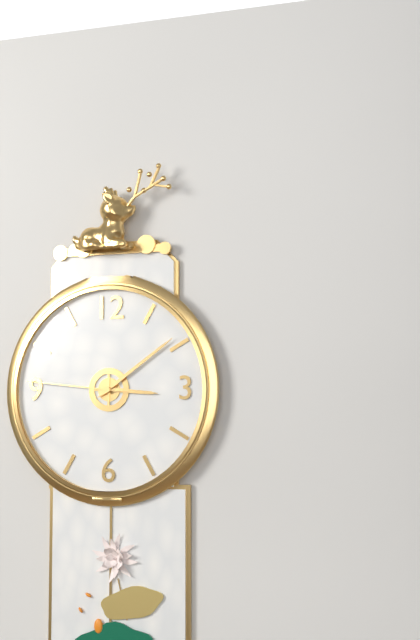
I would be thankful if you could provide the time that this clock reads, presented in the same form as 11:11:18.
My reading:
3:09:46
